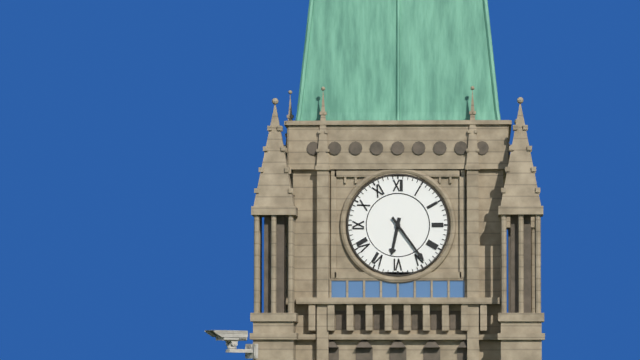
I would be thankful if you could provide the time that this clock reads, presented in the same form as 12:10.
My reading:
6:24
